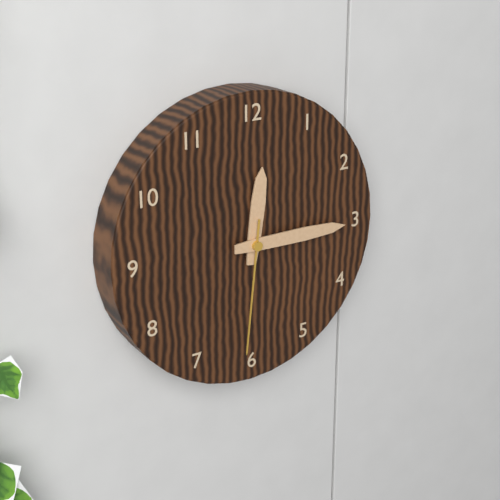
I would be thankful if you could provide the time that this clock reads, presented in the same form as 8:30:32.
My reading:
12:15:31
